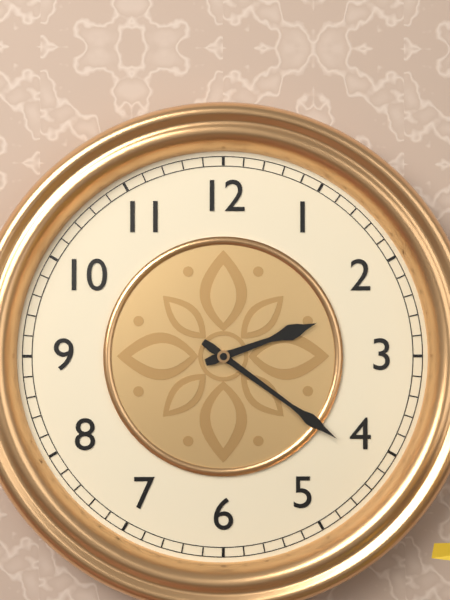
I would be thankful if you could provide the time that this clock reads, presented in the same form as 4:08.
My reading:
2:21
